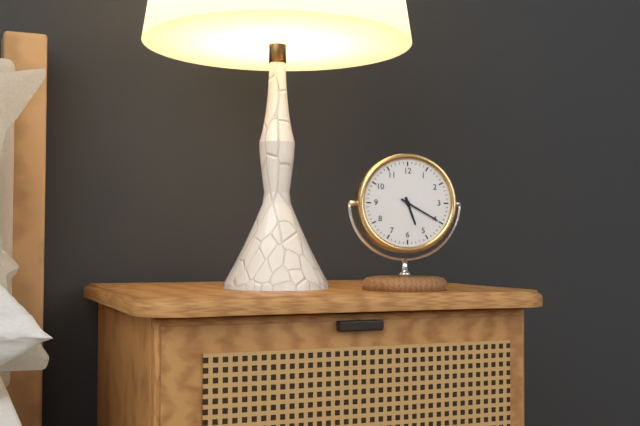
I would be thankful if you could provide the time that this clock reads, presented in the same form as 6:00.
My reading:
5:20
